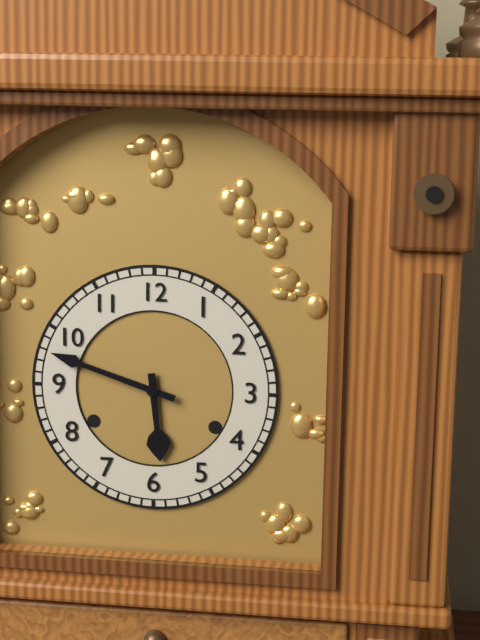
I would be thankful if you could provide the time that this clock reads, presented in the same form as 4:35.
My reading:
5:48
